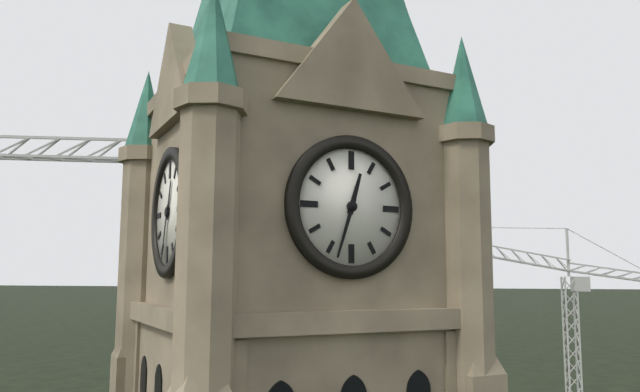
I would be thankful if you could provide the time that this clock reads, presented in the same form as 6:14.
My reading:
12:33
